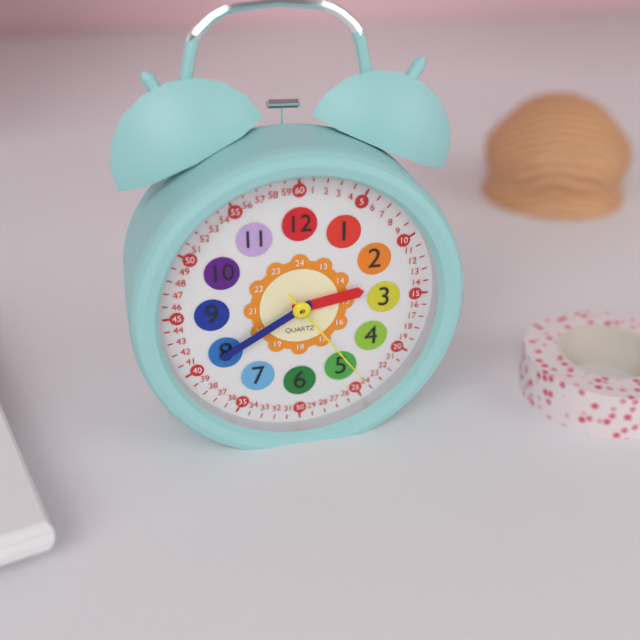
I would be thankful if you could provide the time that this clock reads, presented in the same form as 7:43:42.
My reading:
2:40:24
